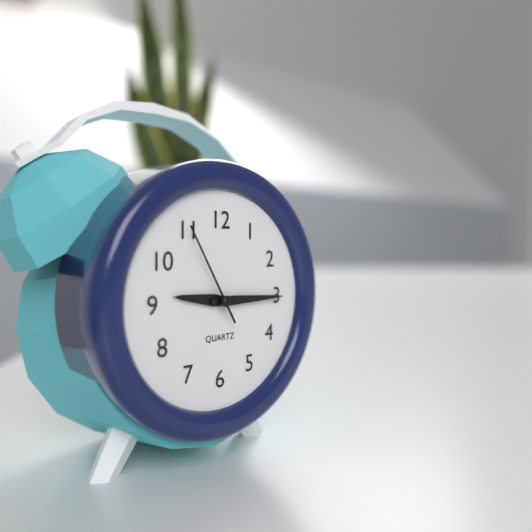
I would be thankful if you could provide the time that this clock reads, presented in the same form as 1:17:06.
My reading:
9:15:55
